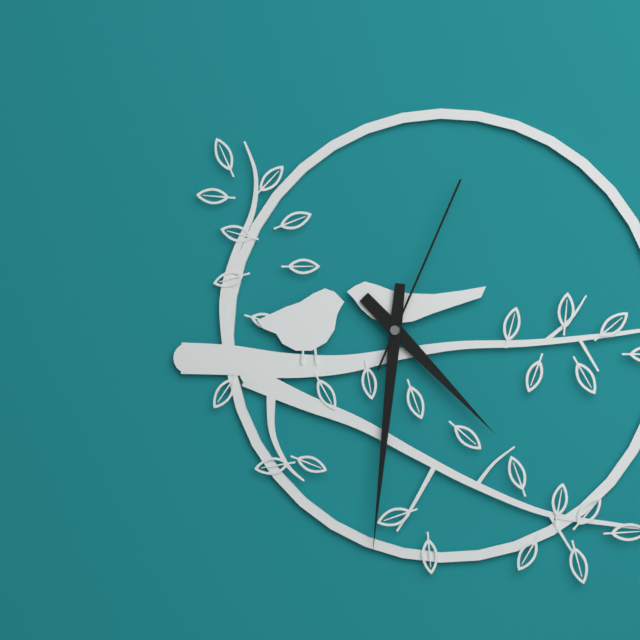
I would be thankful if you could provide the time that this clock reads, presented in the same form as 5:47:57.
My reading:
4:31:04
